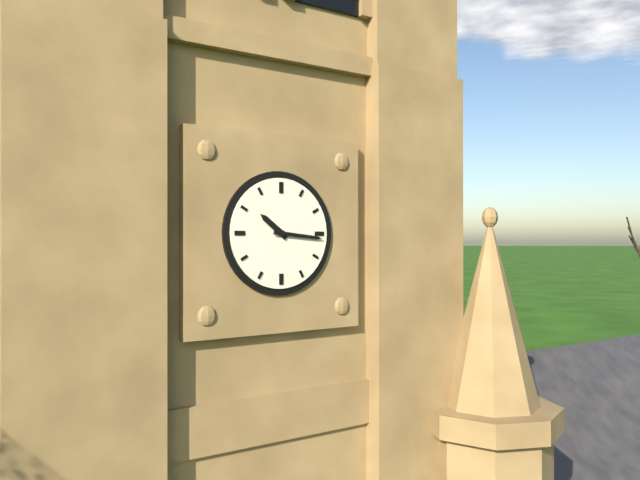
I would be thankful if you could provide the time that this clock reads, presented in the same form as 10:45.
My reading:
10:16
